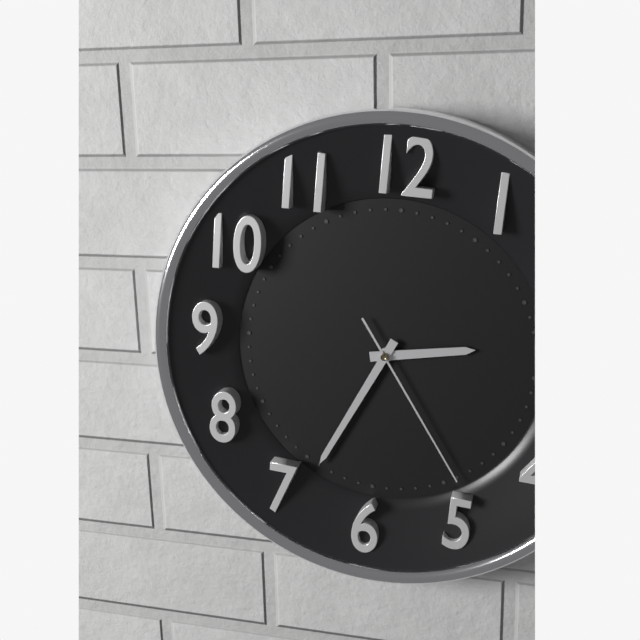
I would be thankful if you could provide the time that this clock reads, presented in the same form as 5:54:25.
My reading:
2:34:24
